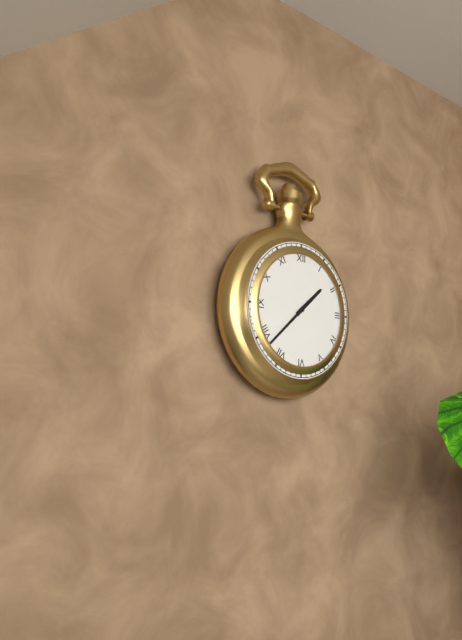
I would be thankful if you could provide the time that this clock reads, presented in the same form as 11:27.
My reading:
1:38
